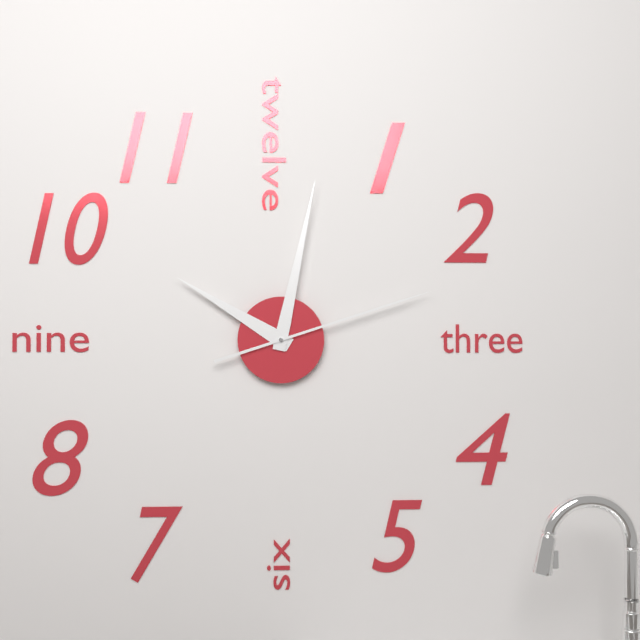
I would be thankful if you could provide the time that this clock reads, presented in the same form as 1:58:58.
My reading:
10:02:12
